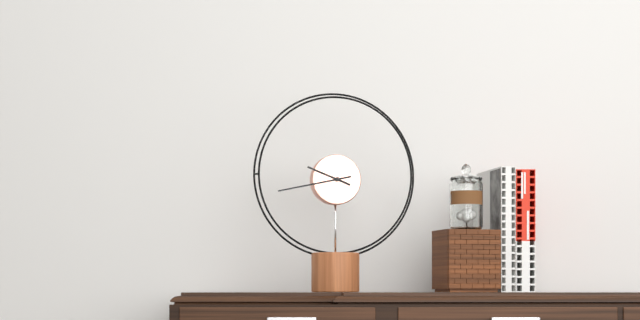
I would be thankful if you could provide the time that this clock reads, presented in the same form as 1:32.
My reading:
9:43
